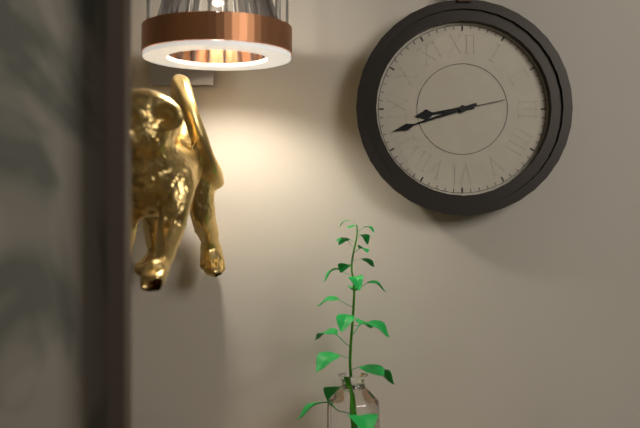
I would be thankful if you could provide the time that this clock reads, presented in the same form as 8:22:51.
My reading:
8:42:13
